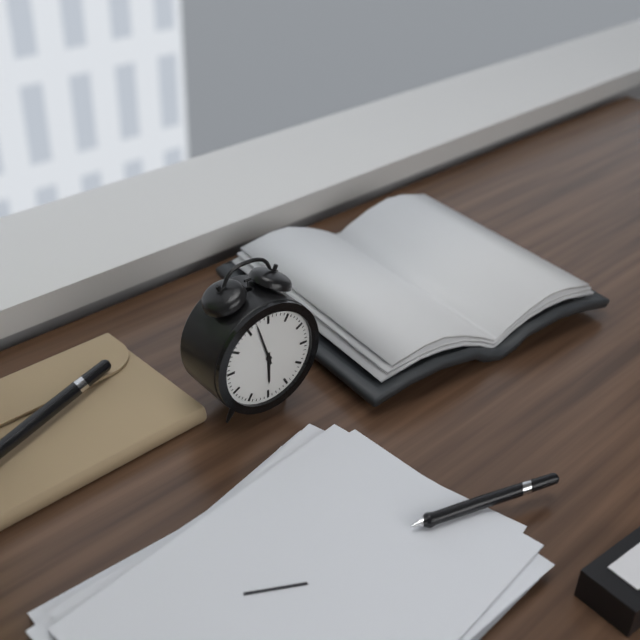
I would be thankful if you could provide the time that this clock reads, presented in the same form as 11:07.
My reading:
5:57
